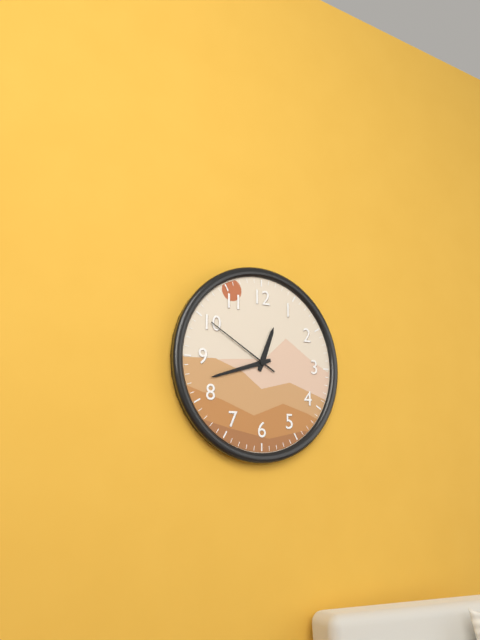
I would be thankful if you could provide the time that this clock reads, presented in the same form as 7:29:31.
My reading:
12:42:50
